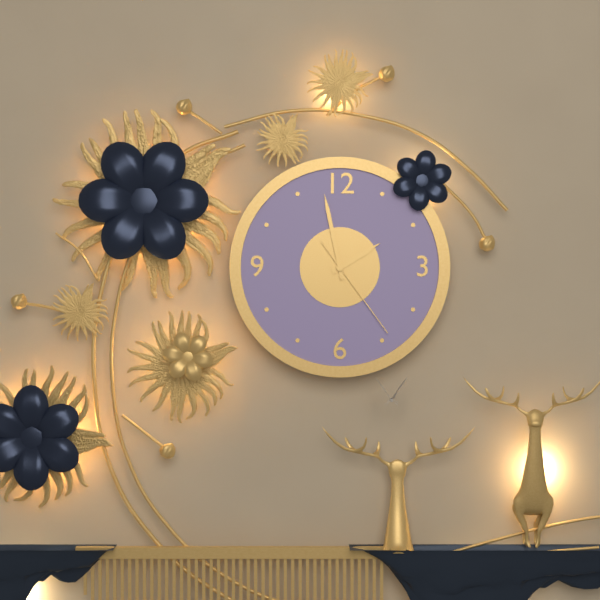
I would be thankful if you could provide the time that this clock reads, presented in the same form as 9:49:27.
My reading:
1:58:24
